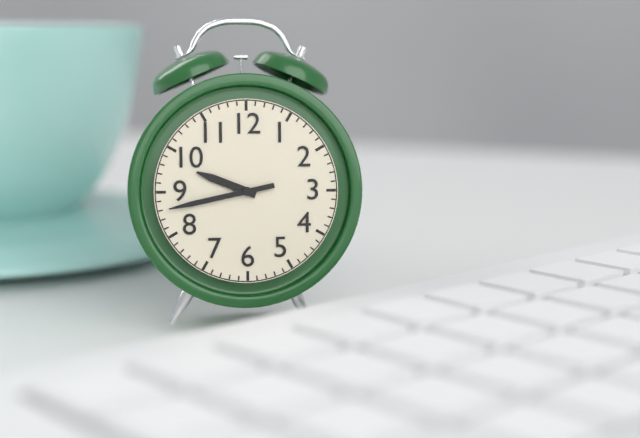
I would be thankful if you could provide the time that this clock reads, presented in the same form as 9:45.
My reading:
9:43
